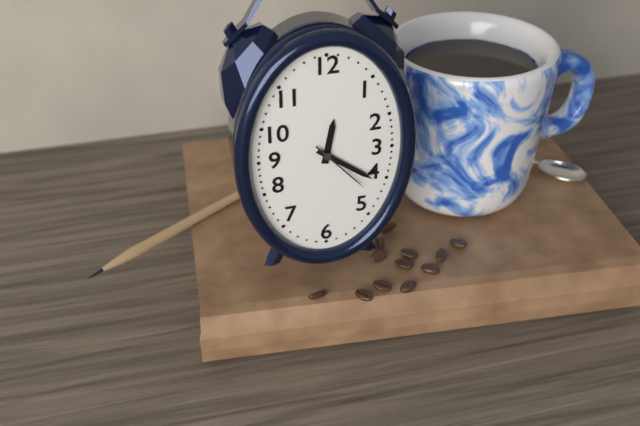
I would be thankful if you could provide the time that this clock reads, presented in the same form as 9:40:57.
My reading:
12:21:23
